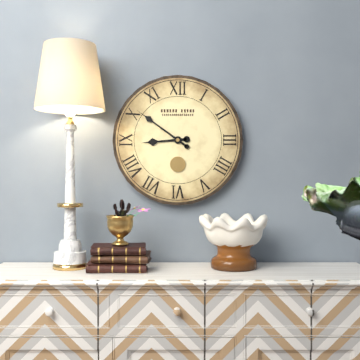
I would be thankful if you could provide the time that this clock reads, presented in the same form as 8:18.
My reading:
8:51
